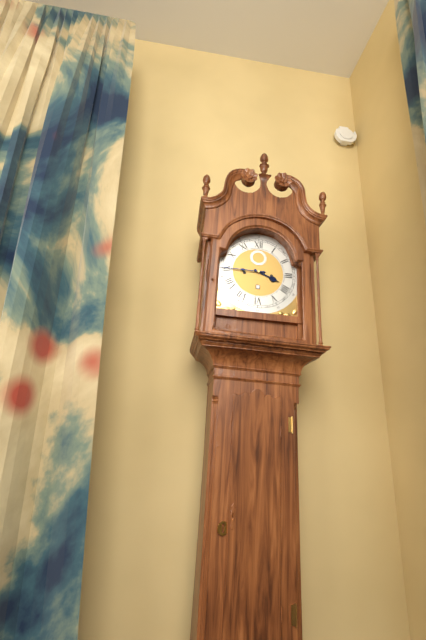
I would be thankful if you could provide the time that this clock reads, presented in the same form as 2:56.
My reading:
3:45
